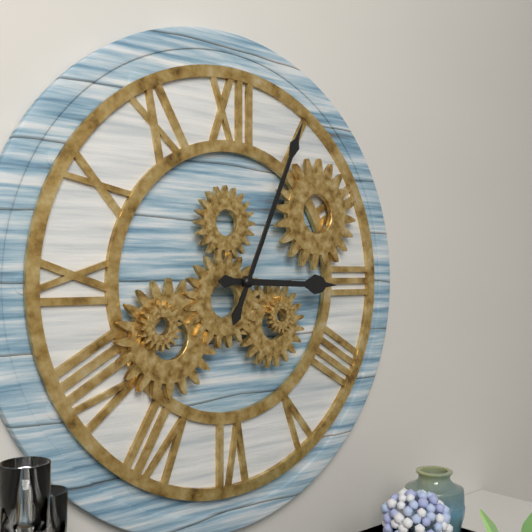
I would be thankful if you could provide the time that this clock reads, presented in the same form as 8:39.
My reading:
3:04
